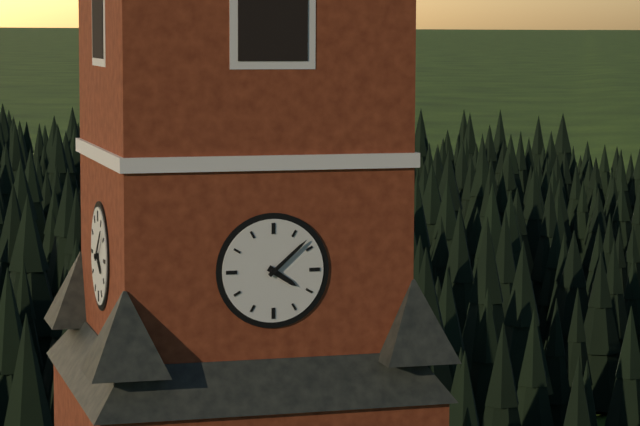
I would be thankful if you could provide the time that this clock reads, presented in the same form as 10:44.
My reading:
4:08
